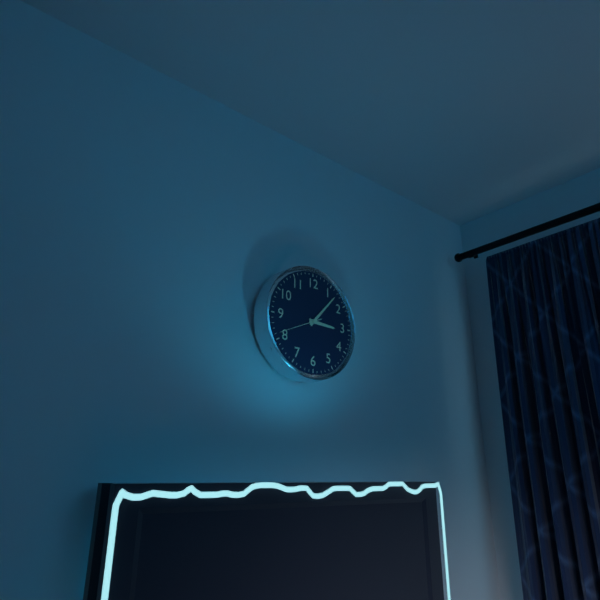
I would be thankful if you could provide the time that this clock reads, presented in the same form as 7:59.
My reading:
3:07
